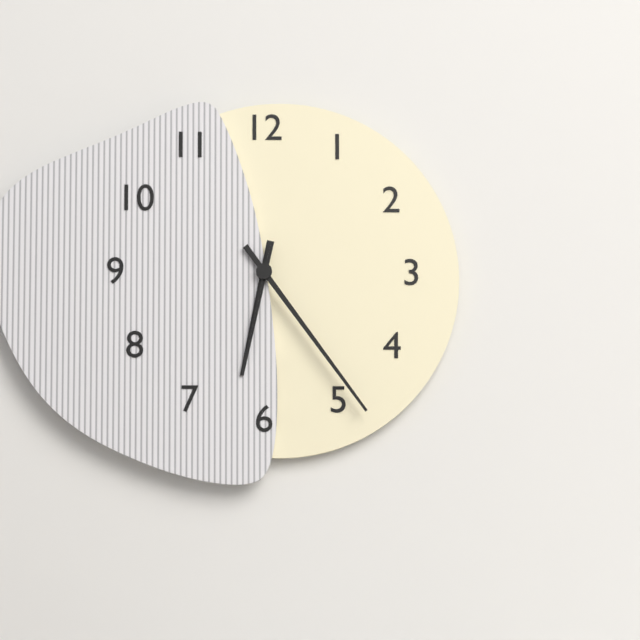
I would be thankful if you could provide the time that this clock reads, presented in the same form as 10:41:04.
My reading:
6:24:32
